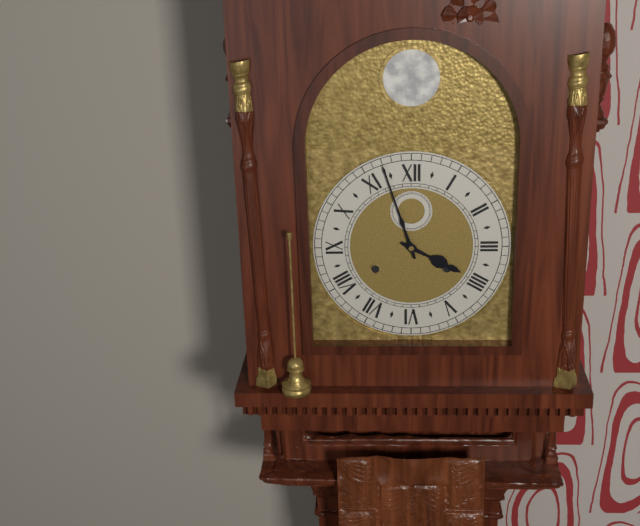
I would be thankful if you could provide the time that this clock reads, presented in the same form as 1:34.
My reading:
3:57
